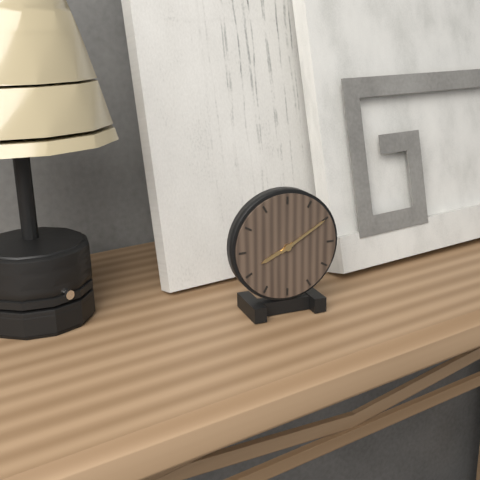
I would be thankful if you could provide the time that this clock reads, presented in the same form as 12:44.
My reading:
8:10
